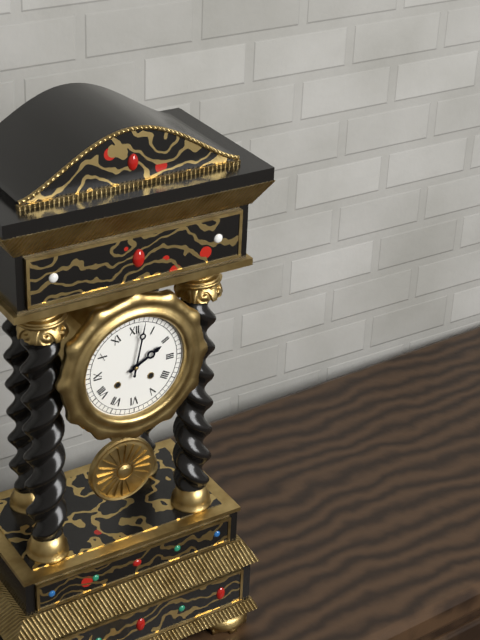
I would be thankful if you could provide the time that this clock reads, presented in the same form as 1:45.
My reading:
2:02
